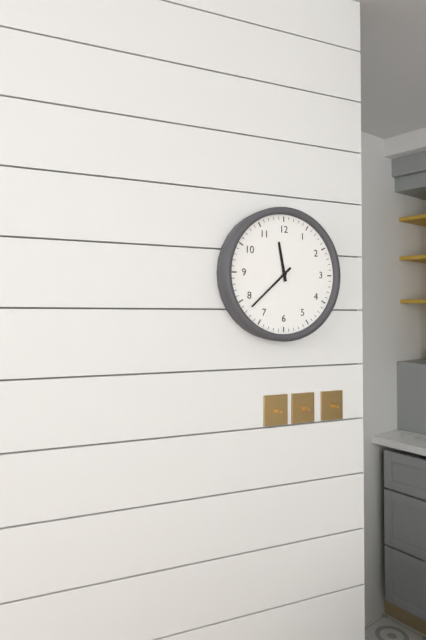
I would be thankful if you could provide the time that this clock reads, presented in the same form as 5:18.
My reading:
11:38
